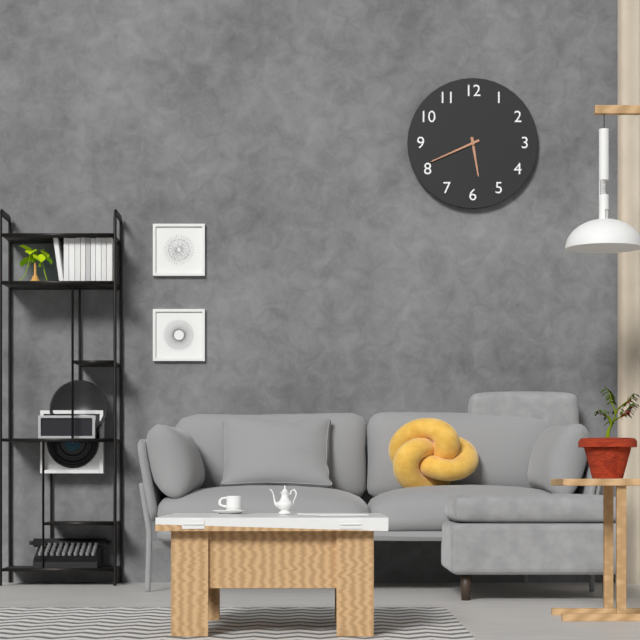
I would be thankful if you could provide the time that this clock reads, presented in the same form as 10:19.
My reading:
5:41
